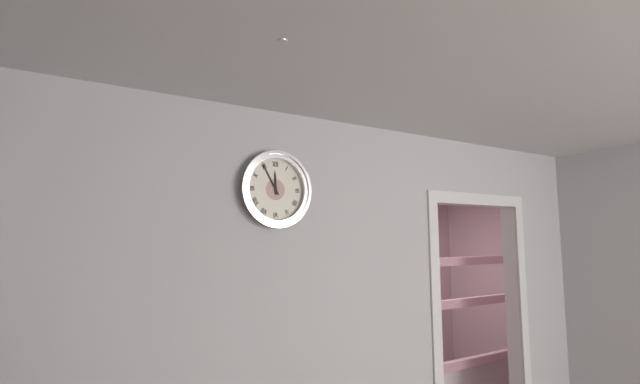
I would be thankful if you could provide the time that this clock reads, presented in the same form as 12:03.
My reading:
11:55
